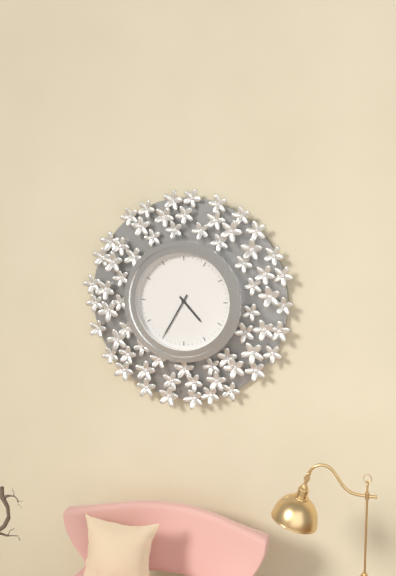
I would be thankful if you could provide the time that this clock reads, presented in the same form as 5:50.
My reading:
4:35
